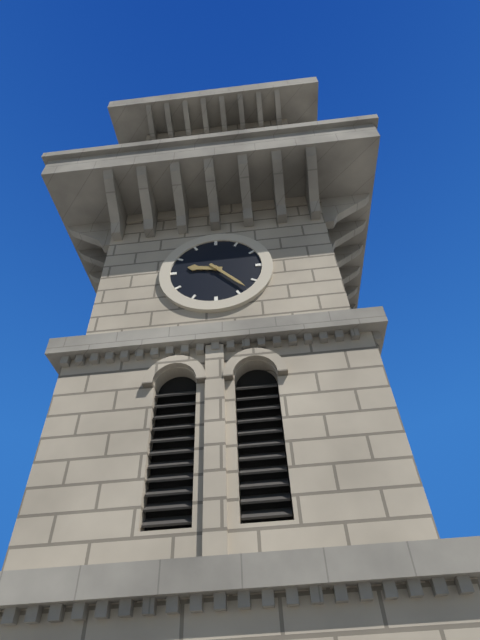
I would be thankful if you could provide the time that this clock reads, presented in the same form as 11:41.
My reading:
9:23
